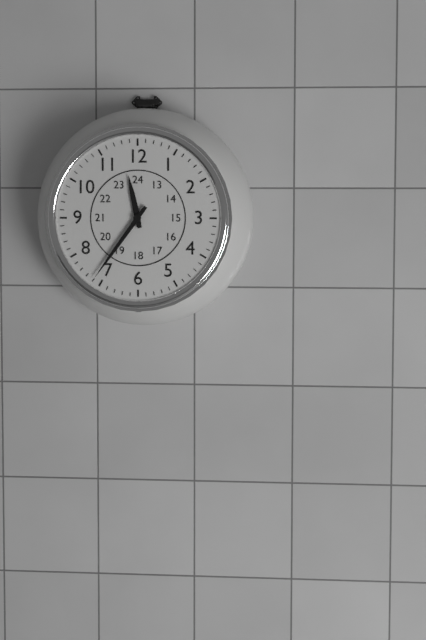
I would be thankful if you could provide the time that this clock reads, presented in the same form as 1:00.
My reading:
11:36
